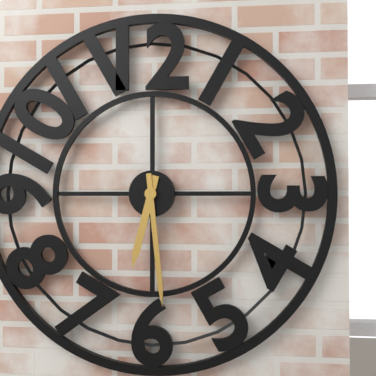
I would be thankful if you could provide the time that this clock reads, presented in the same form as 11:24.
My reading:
6:29
